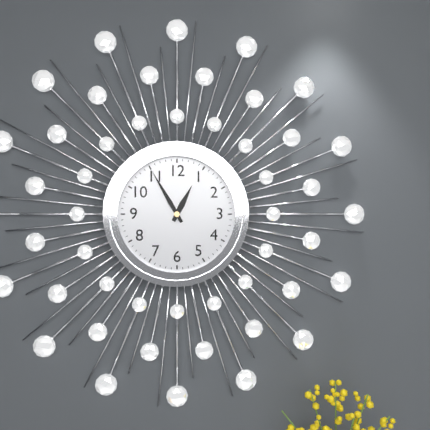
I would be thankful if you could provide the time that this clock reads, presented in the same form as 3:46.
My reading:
12:55
